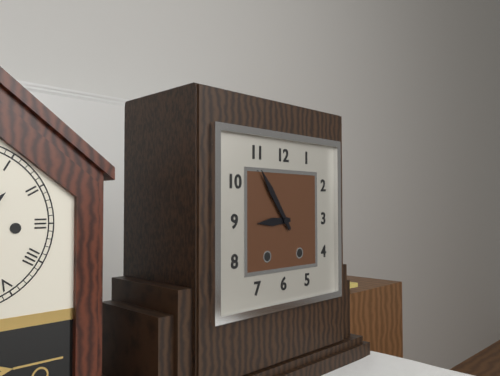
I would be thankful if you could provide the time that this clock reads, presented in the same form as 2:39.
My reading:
8:54
